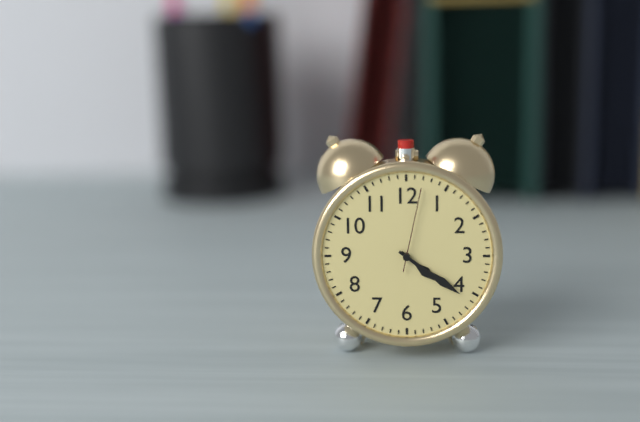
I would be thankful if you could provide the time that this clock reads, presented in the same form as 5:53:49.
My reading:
4:21:02
